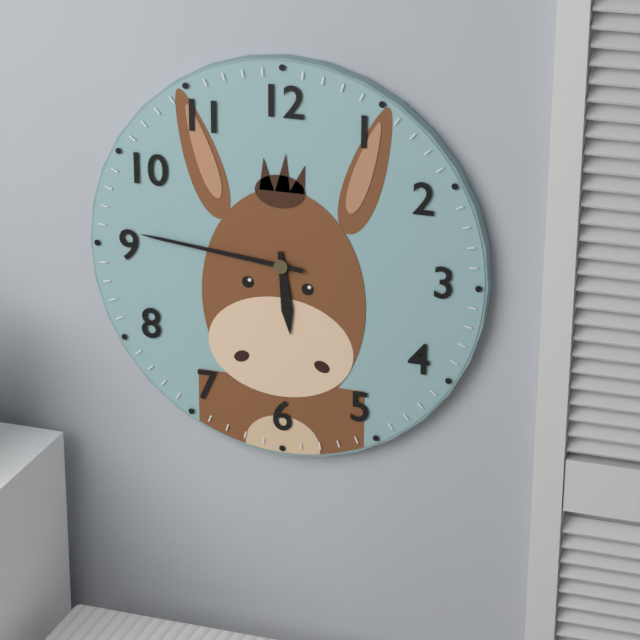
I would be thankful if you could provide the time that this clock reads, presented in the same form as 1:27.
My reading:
5:46
